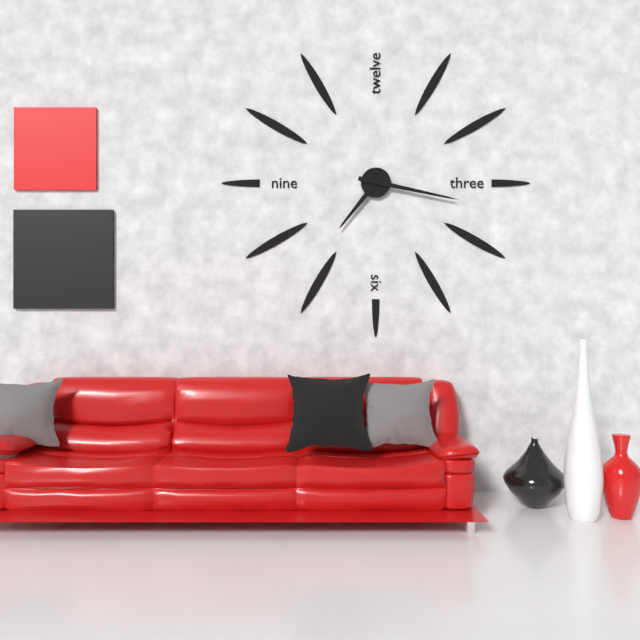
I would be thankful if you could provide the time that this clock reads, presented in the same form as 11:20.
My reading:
7:17
